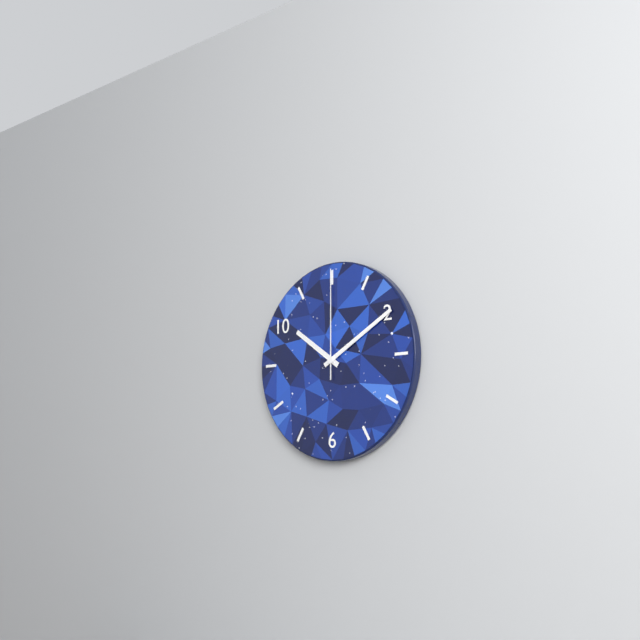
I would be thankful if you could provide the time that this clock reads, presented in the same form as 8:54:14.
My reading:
10:10:00
